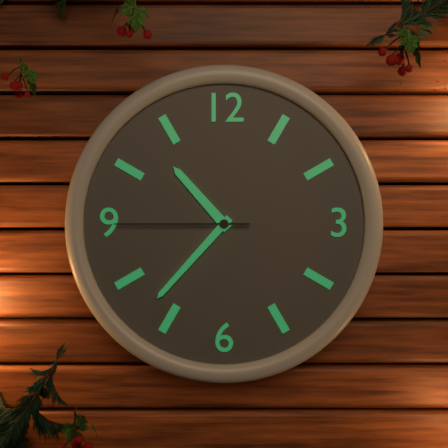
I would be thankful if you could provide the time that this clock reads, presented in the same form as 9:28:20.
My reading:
10:37:45
